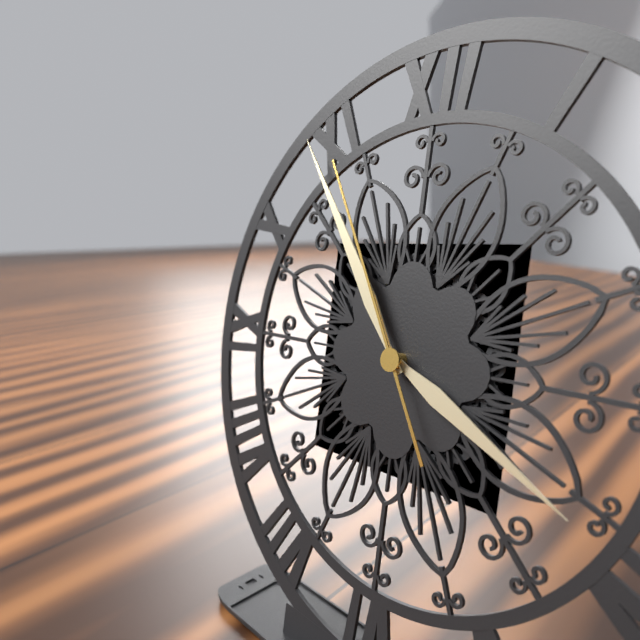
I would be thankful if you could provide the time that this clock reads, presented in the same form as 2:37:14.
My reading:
3:54:55
